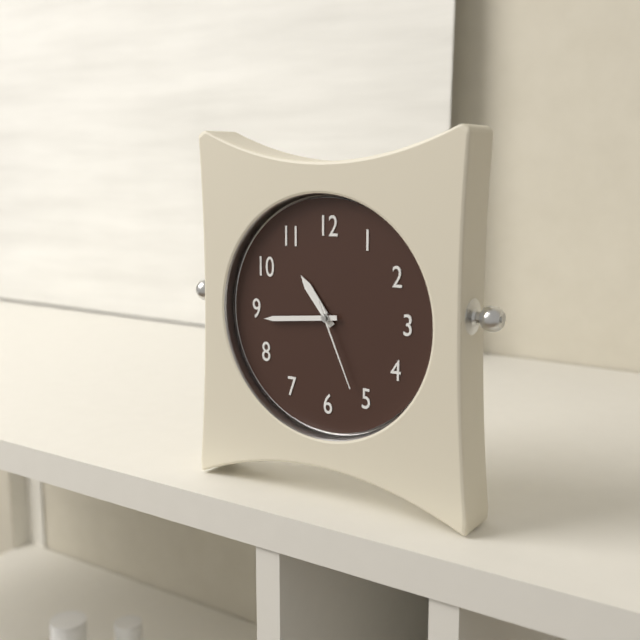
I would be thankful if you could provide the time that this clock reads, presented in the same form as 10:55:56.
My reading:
10:44:26
